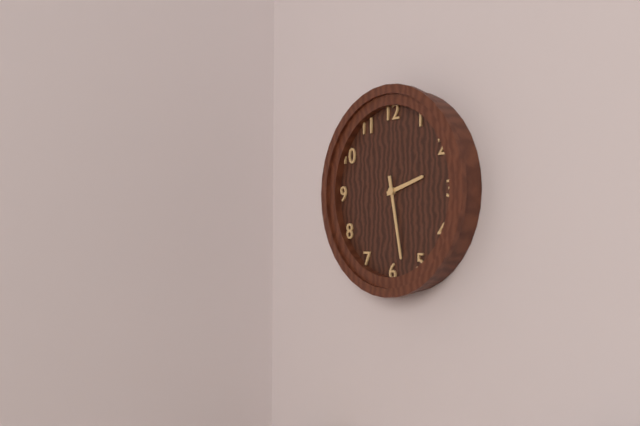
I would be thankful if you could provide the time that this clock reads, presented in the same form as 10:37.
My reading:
2:28
